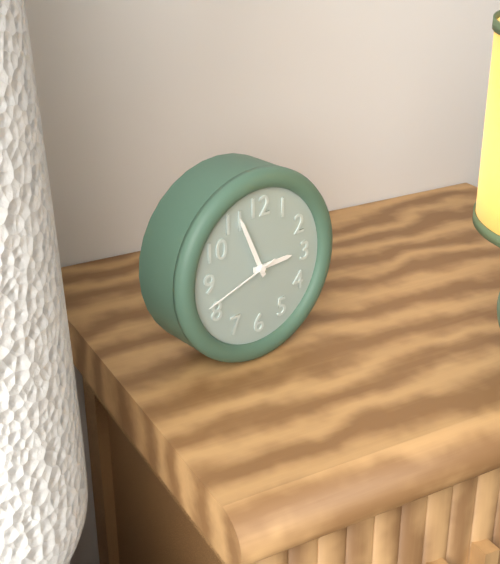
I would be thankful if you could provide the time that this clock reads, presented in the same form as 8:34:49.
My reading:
2:56:42
